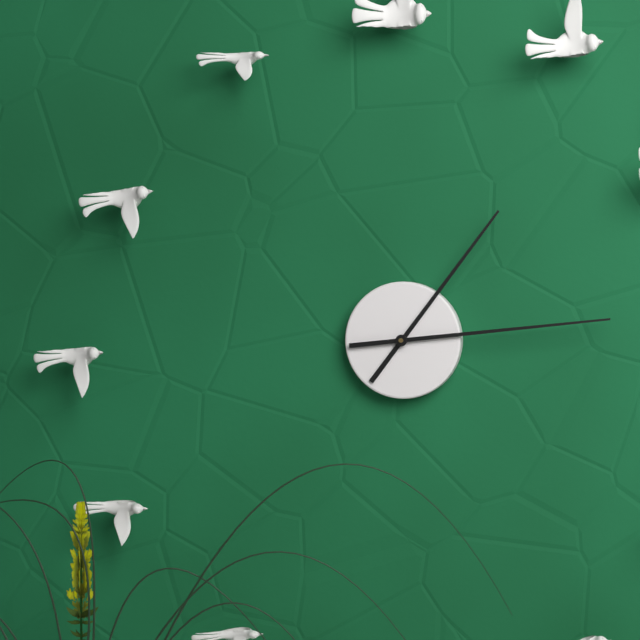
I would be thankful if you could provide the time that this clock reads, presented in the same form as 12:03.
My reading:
1:14
